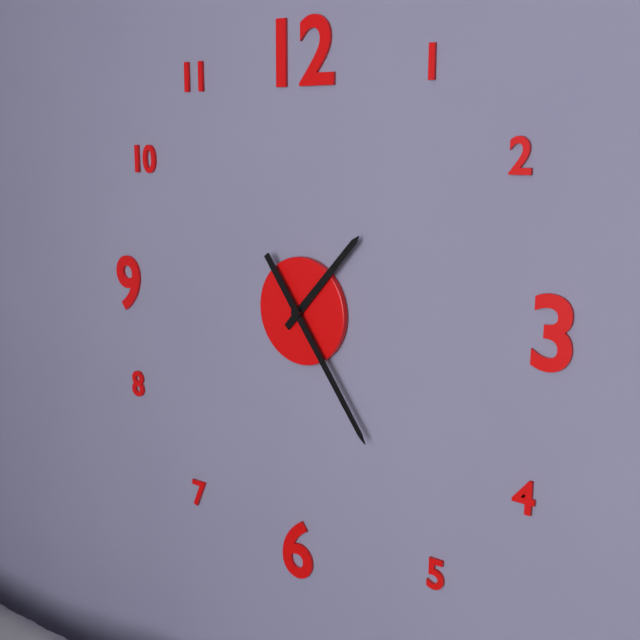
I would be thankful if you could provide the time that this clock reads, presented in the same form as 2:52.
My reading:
1:24
